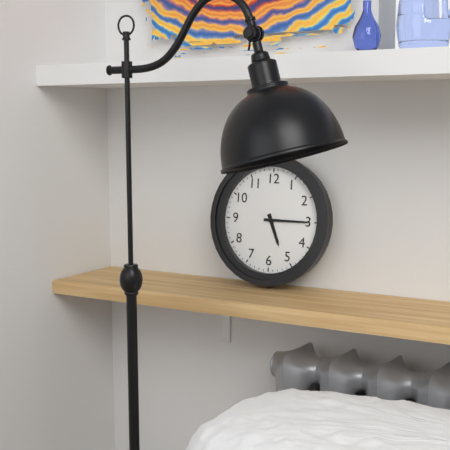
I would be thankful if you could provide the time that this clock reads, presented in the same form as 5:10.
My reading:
5:15
